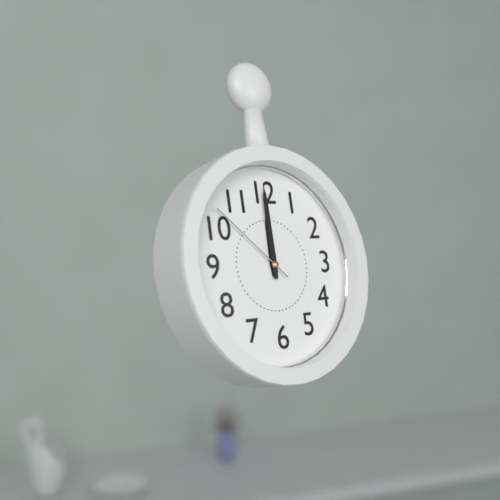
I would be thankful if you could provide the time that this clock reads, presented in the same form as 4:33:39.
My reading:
12:00:52
